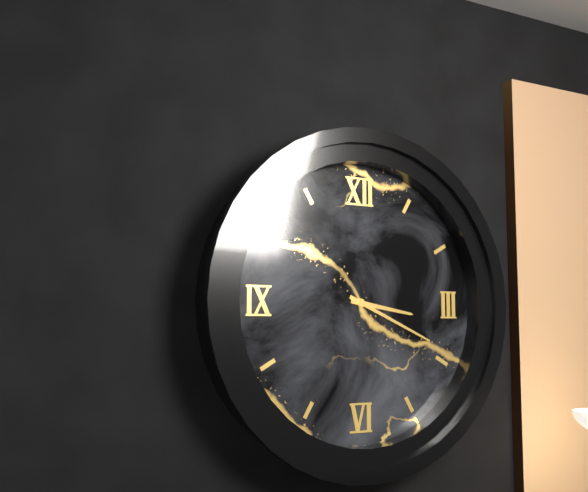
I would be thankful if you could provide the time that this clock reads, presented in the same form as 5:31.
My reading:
3:19
